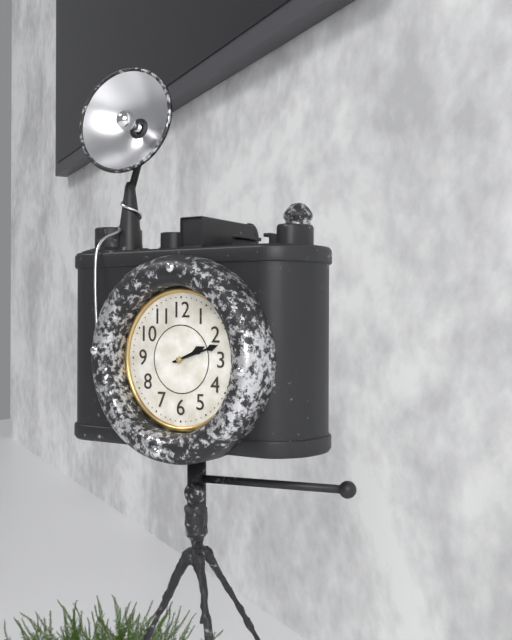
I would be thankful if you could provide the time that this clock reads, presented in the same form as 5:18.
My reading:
2:12
